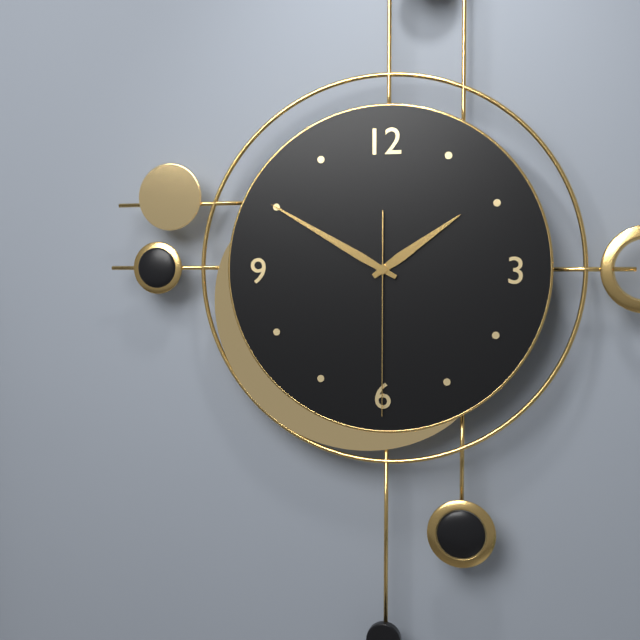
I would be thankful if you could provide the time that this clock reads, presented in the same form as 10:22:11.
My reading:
1:50:30
